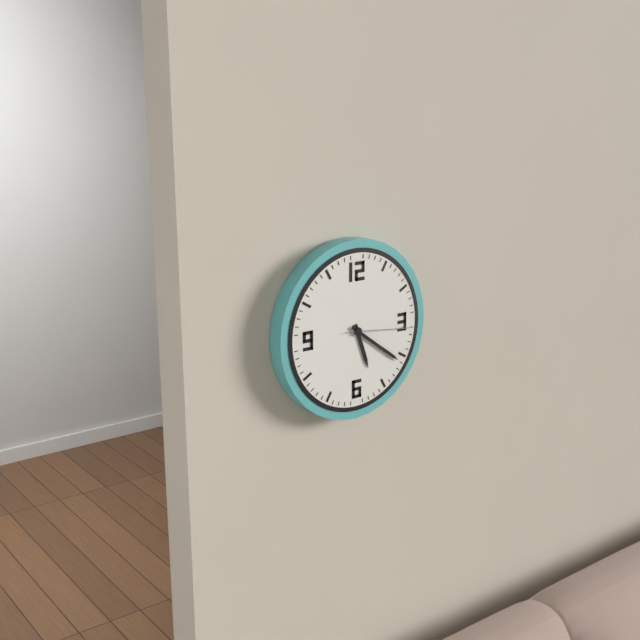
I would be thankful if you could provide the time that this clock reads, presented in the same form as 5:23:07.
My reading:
5:21:16
